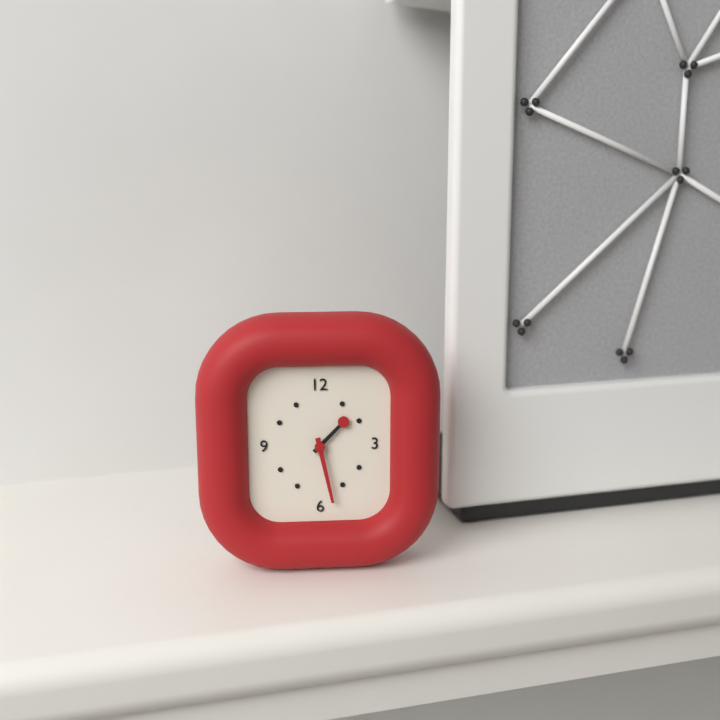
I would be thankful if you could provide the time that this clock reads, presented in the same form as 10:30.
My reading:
1:28
